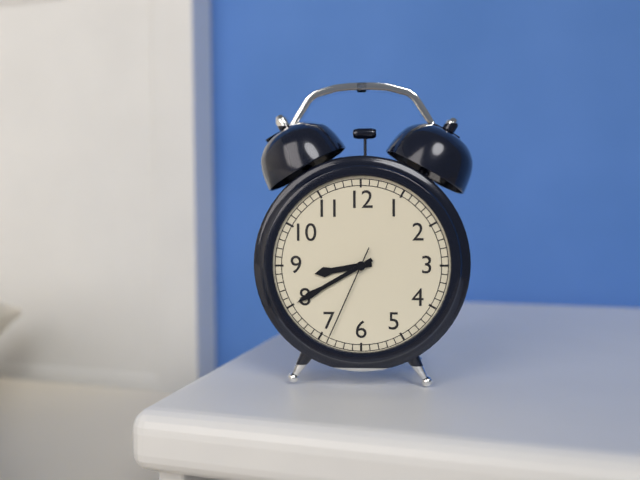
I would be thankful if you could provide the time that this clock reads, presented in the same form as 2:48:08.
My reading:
8:40:34
